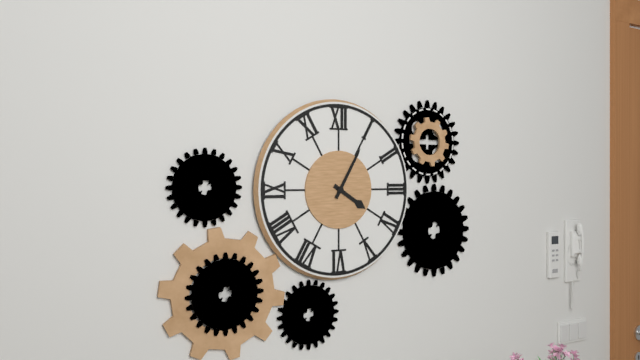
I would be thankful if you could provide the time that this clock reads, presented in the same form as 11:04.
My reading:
4:05
